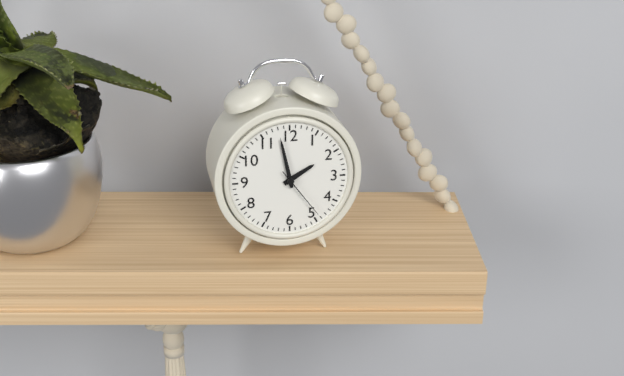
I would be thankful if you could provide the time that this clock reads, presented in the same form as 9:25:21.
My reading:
1:58:24
